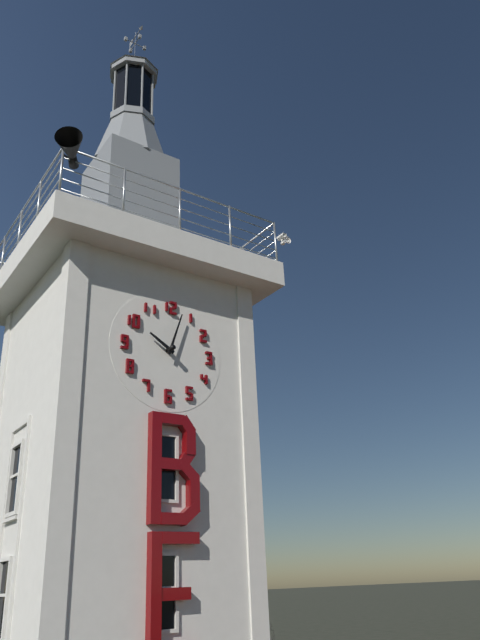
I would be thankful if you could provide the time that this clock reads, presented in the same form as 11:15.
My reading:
10:03
